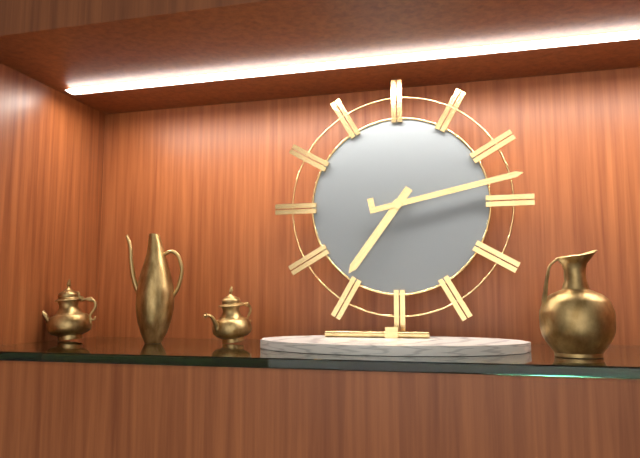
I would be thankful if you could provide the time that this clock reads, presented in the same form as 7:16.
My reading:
7:13
